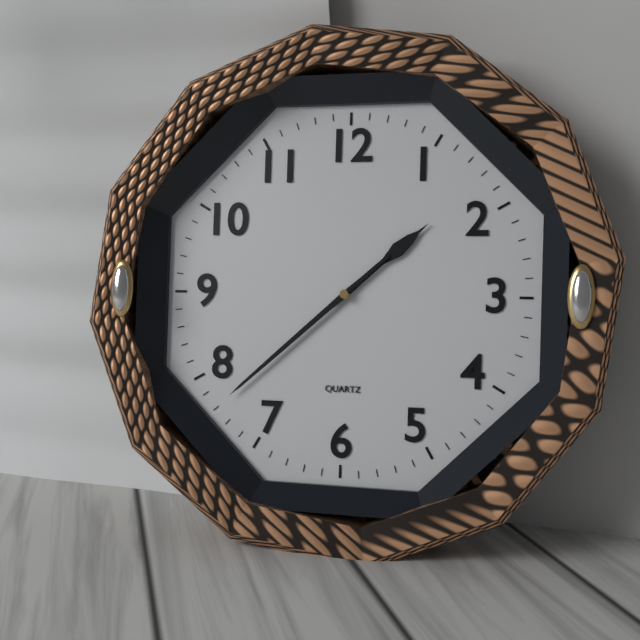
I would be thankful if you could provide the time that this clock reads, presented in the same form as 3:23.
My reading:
1:38
